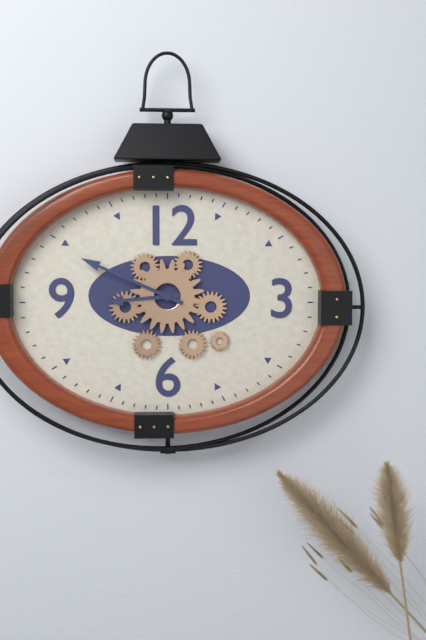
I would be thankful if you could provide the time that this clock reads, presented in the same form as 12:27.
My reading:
8:49
